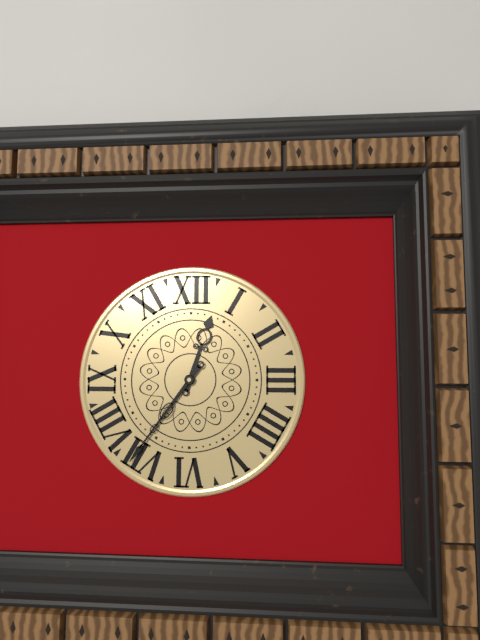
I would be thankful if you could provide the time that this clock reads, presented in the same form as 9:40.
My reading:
12:36
